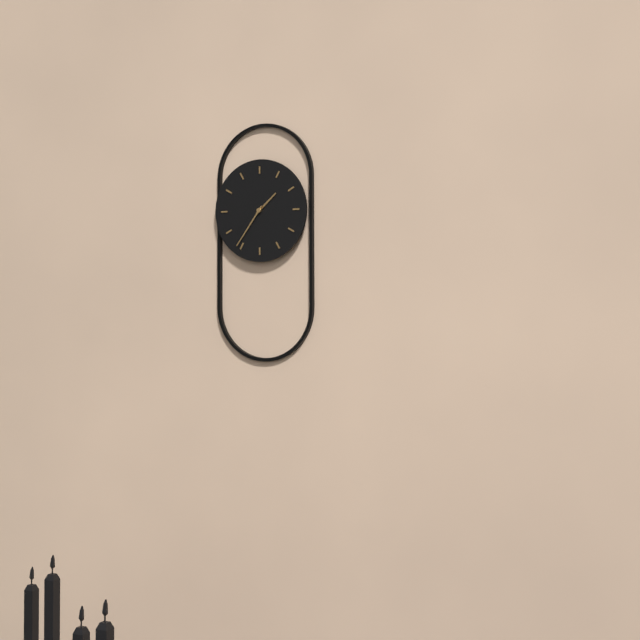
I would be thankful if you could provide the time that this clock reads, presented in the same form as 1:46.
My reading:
1:36
